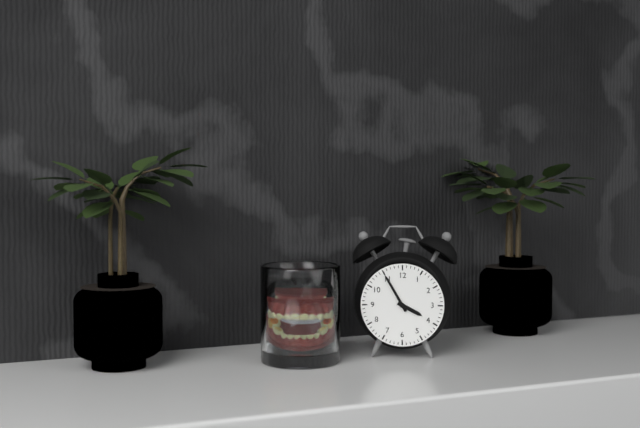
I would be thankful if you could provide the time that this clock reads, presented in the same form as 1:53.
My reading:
3:55
